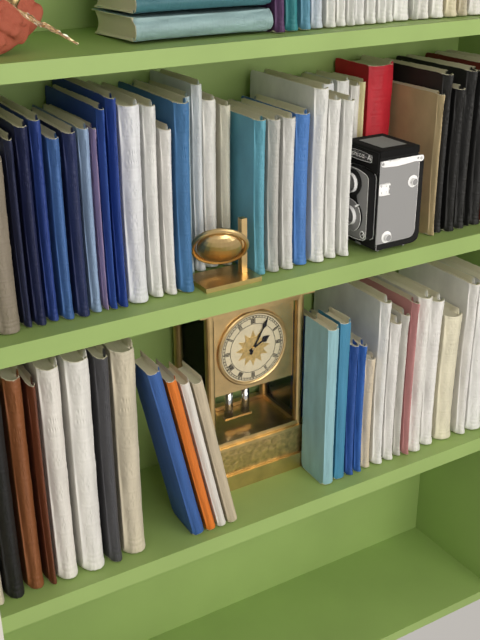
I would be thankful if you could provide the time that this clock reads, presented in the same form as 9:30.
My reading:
2:05
